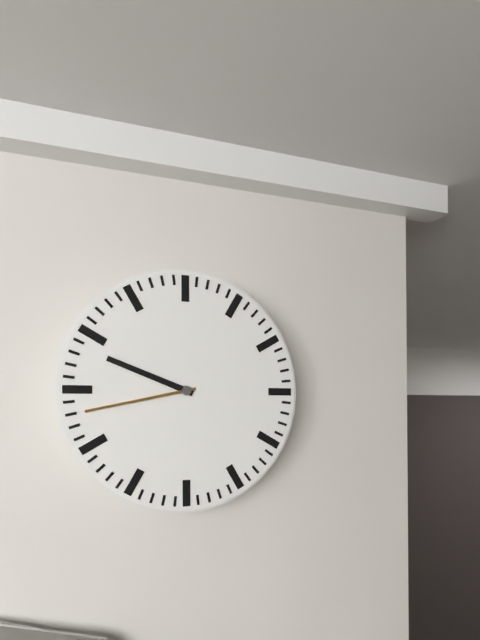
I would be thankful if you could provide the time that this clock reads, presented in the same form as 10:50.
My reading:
9:43
